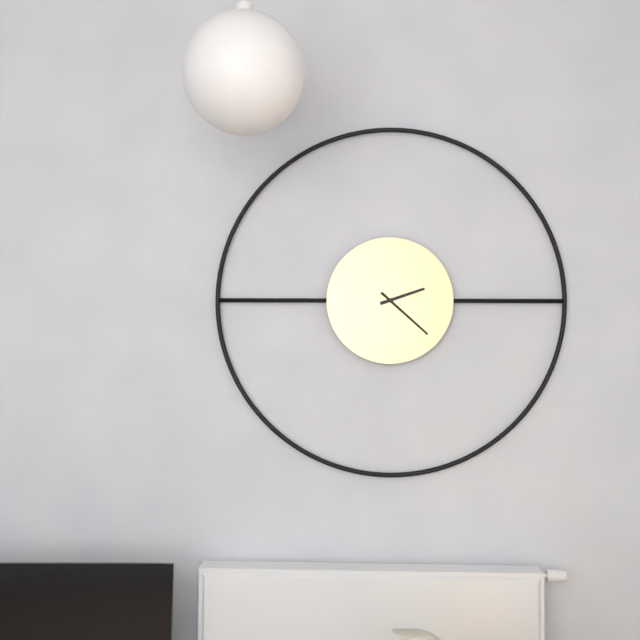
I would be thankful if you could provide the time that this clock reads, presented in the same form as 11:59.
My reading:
2:22
